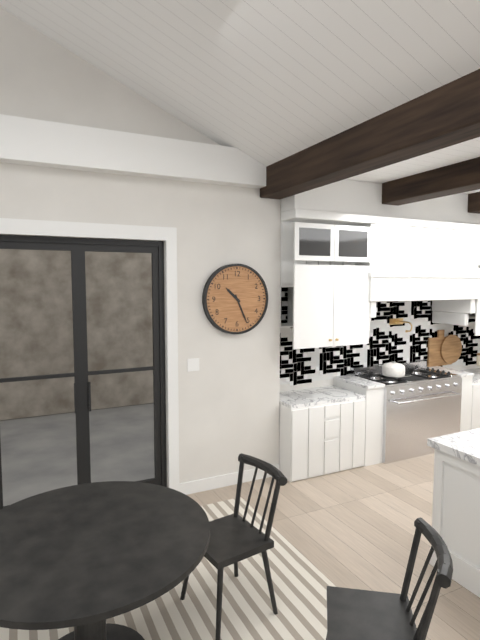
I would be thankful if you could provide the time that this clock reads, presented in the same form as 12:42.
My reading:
10:26
